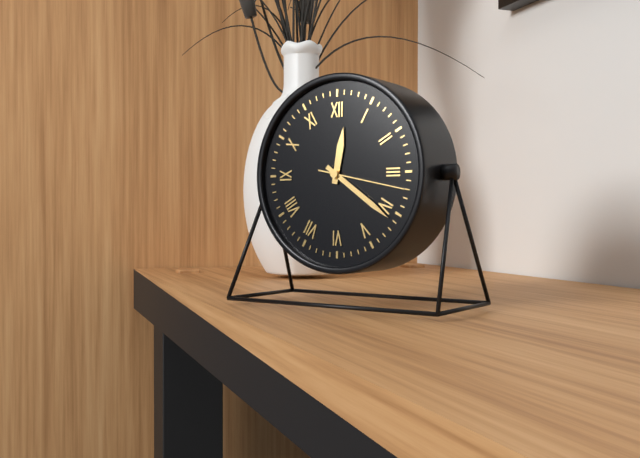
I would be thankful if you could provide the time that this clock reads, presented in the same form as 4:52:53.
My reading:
12:21:17
